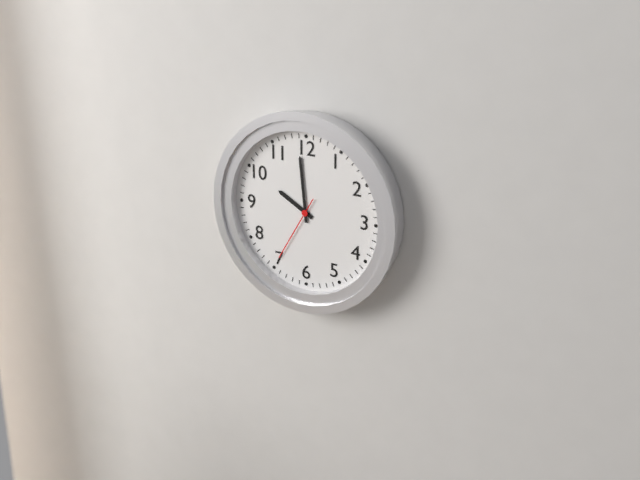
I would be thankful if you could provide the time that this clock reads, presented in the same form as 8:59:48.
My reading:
9:59:35
